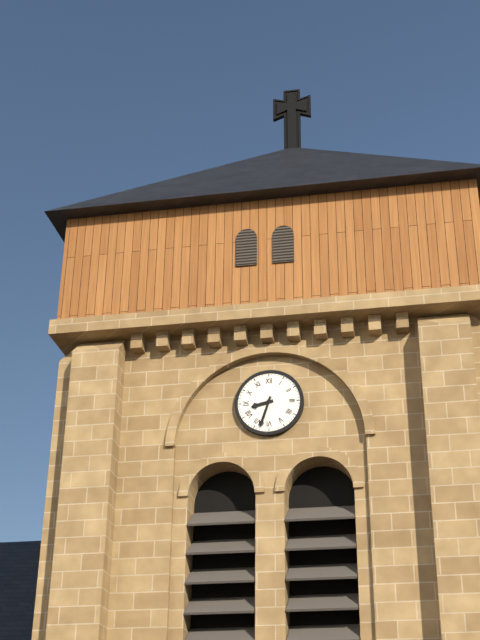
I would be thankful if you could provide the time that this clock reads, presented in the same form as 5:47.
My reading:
8:33
